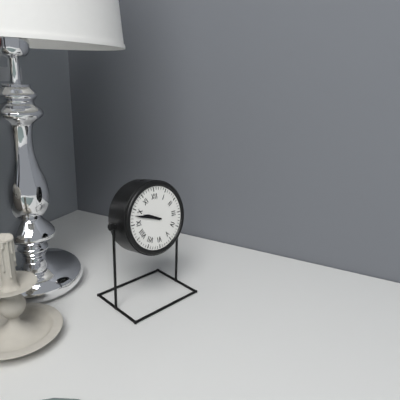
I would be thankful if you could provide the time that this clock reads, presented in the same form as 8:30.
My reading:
9:48
